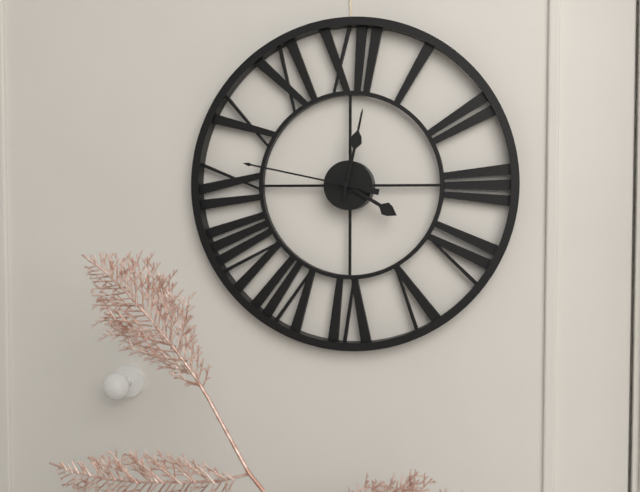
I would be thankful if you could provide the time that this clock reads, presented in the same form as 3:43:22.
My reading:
4:02:47
